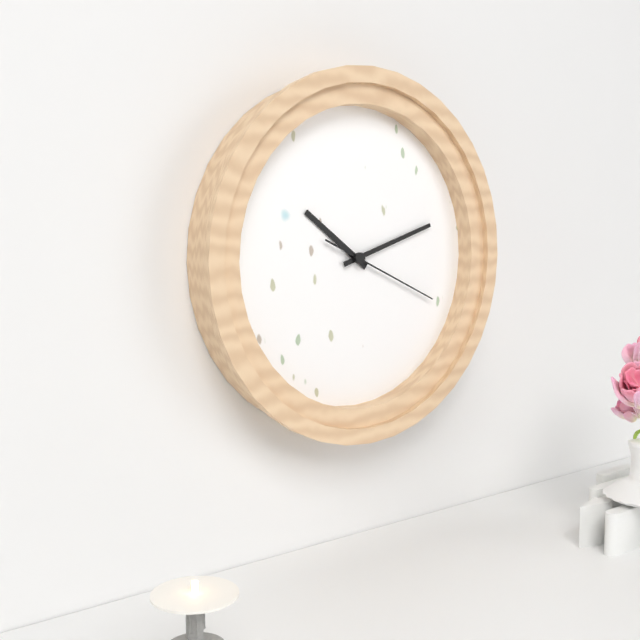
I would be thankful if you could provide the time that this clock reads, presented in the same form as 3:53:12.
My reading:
10:12:19
